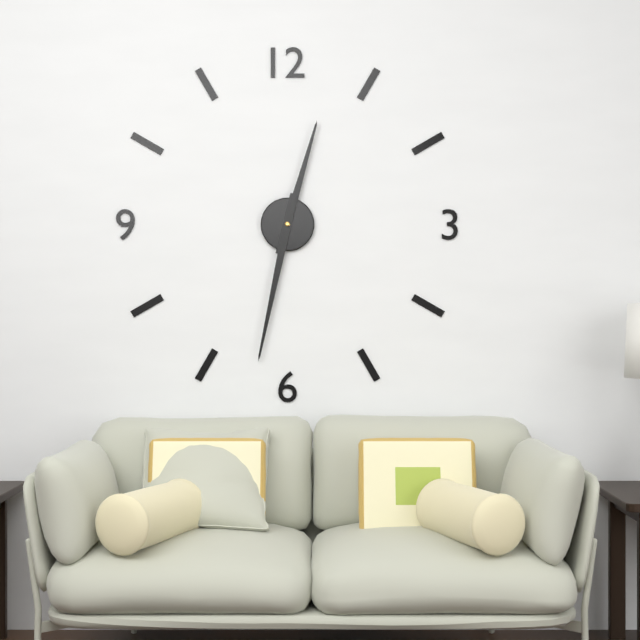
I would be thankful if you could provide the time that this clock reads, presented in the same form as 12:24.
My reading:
12:32
